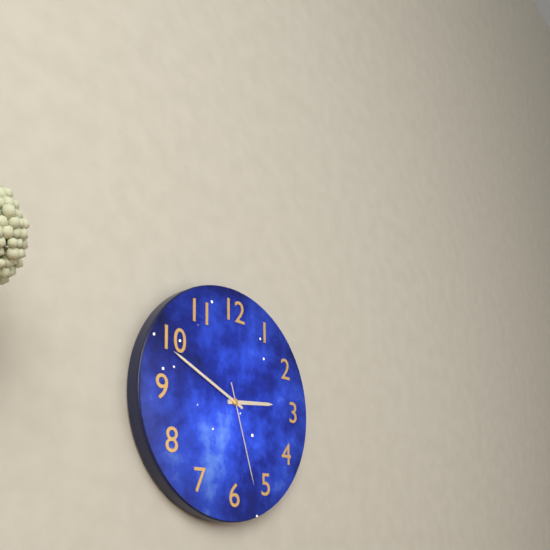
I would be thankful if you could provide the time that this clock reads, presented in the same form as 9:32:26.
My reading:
2:49:27
